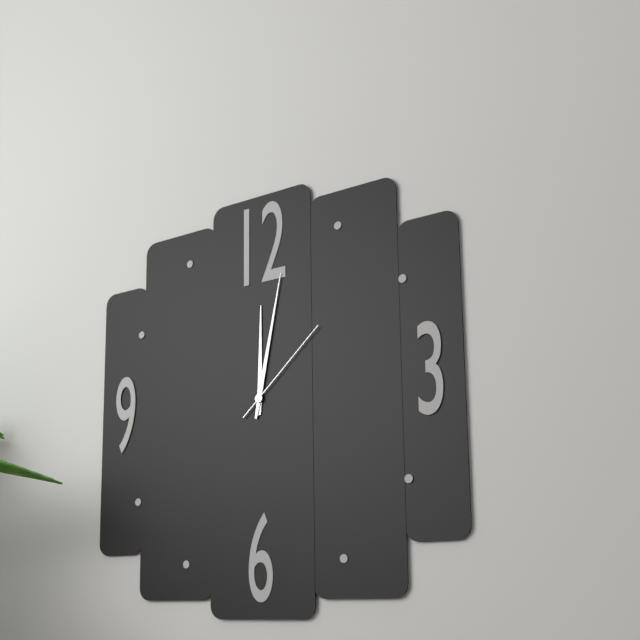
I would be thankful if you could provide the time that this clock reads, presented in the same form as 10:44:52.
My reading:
12:02:08
